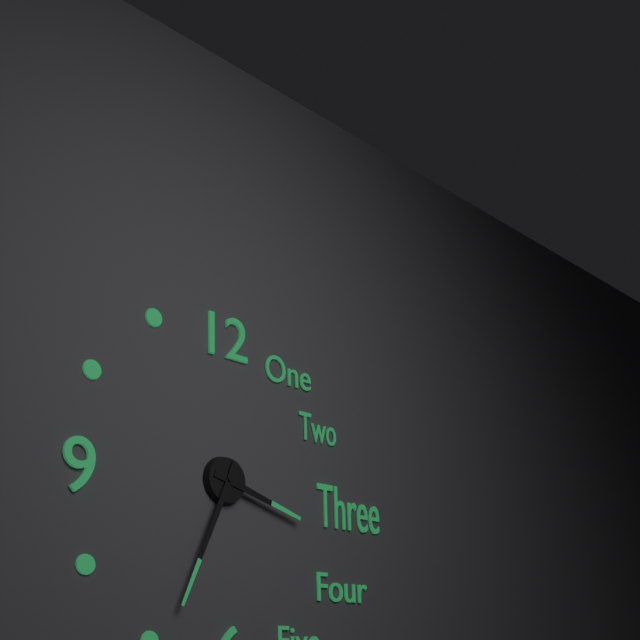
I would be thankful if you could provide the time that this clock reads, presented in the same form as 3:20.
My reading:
3:34
